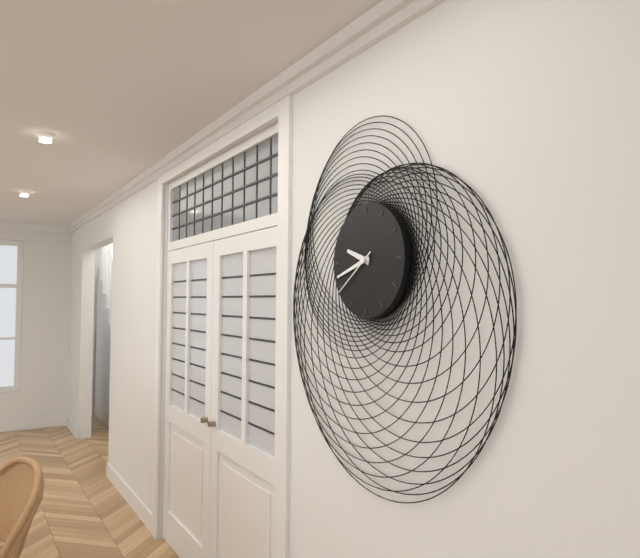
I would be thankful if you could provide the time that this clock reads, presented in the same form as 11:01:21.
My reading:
9:42:39
